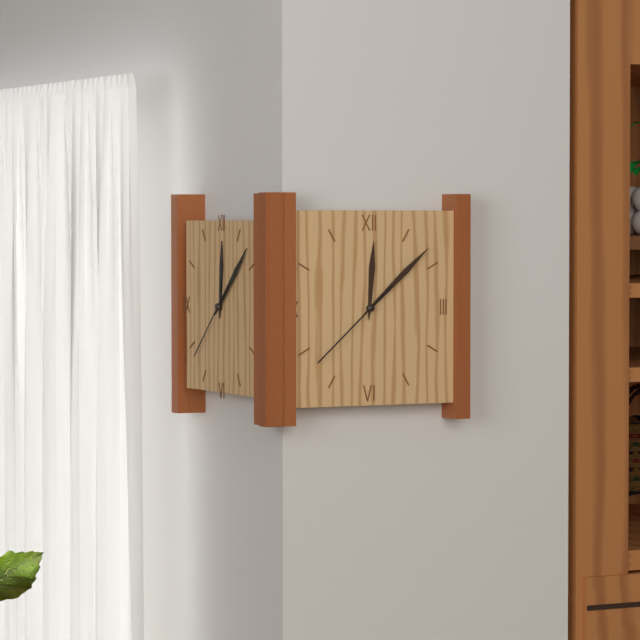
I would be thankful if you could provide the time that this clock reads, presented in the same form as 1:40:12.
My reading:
12:08:38
